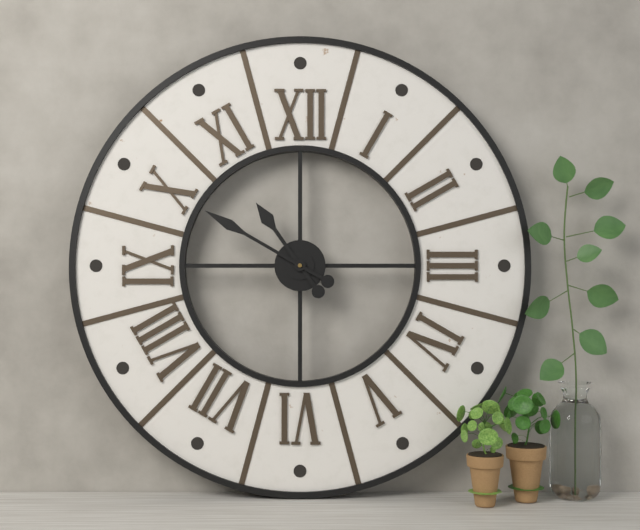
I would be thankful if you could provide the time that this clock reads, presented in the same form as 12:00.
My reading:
10:50
